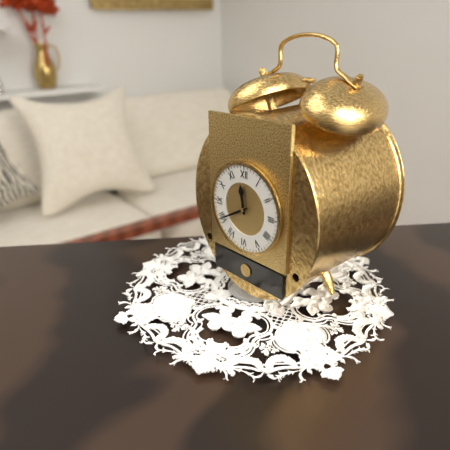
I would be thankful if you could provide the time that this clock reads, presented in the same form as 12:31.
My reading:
11:40
